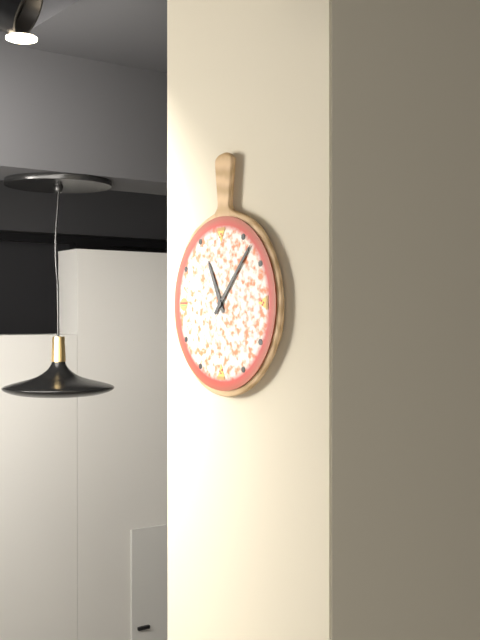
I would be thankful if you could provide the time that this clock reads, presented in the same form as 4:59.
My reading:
11:07
